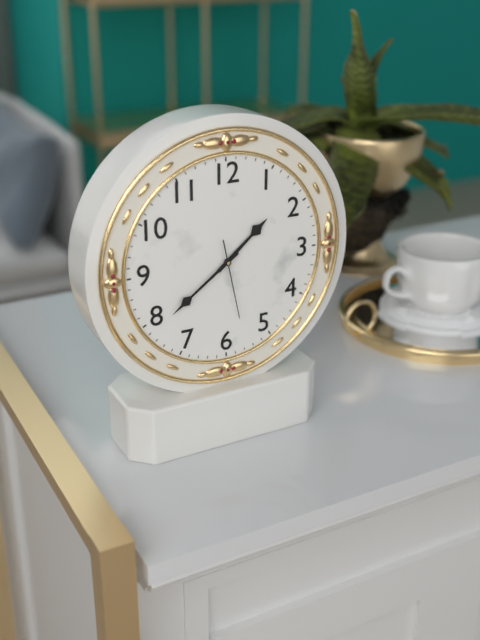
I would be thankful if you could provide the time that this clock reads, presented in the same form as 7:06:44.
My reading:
1:39:28
